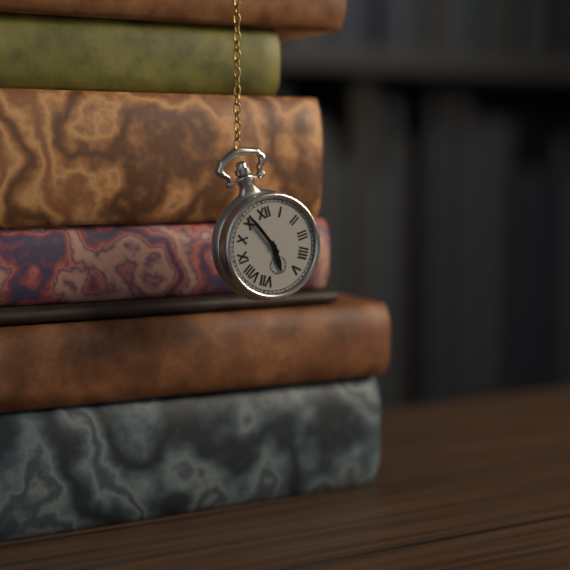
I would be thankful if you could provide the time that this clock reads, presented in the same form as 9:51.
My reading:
5:56
